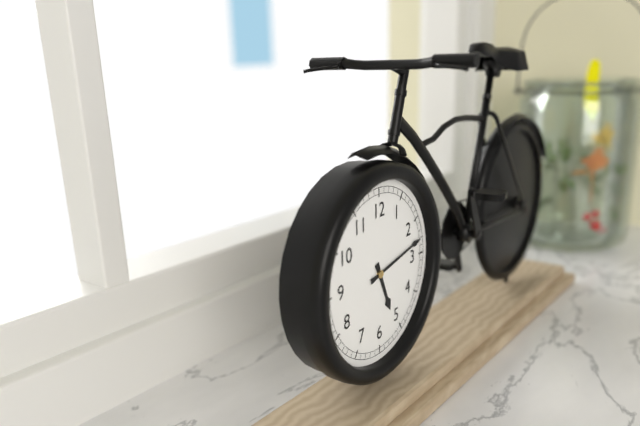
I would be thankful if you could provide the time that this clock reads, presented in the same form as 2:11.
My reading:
5:13
